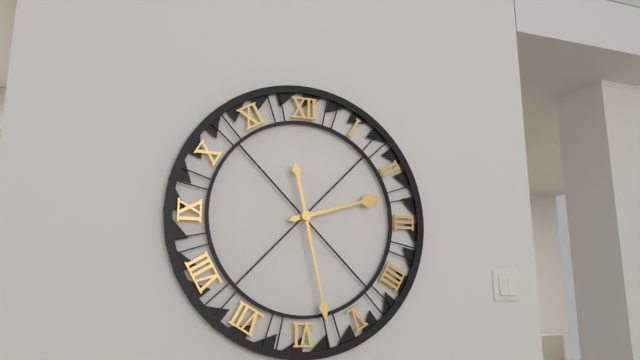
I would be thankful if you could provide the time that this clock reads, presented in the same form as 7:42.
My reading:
2:28
